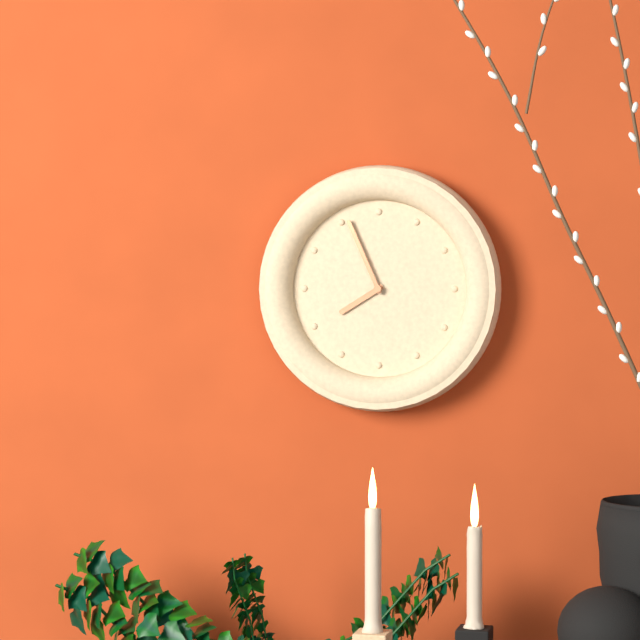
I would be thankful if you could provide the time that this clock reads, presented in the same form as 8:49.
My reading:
7:56
